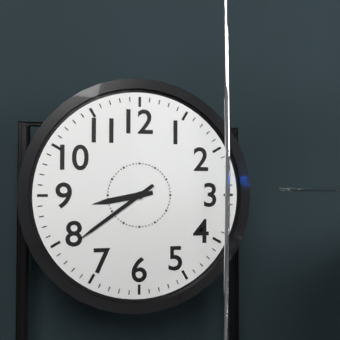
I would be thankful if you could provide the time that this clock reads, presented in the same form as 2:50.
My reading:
8:39
